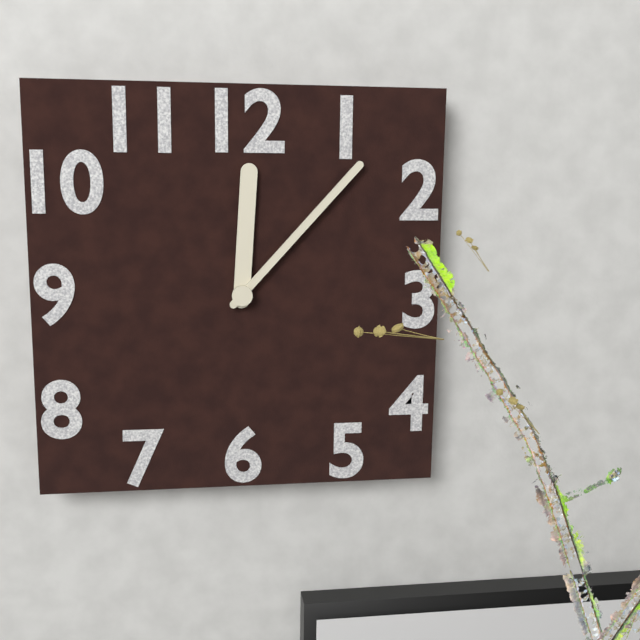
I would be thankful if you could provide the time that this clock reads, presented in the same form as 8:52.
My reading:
12:07
